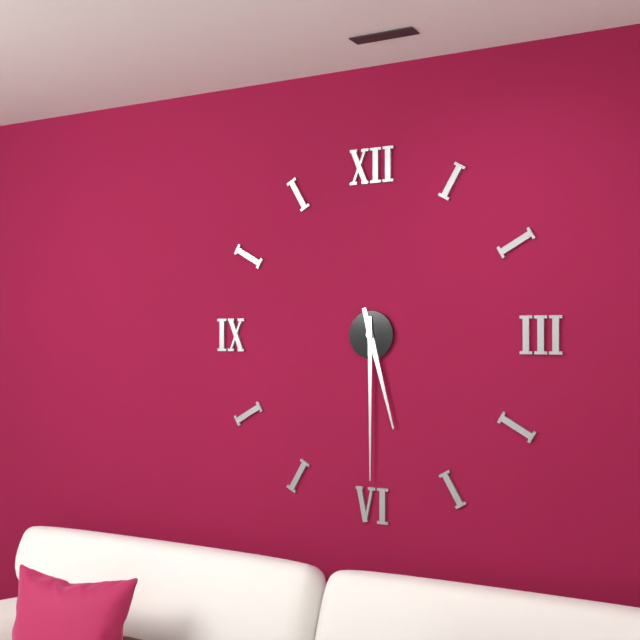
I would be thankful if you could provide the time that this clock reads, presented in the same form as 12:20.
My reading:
5:30
